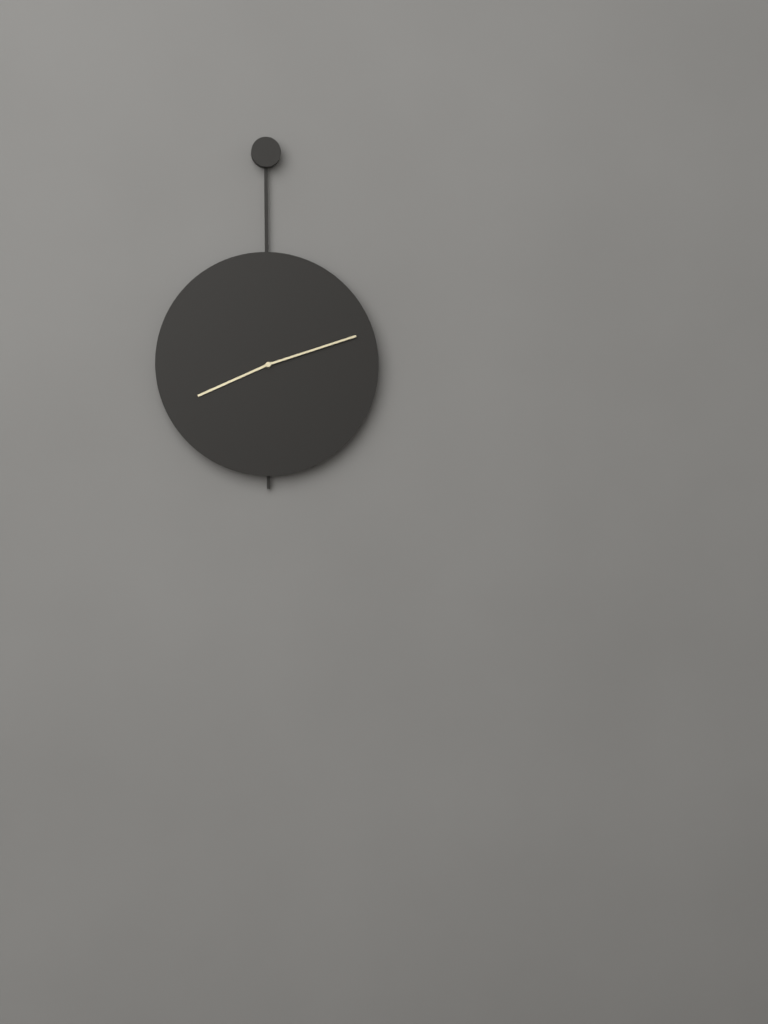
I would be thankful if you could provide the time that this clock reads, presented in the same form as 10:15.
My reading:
8:12
